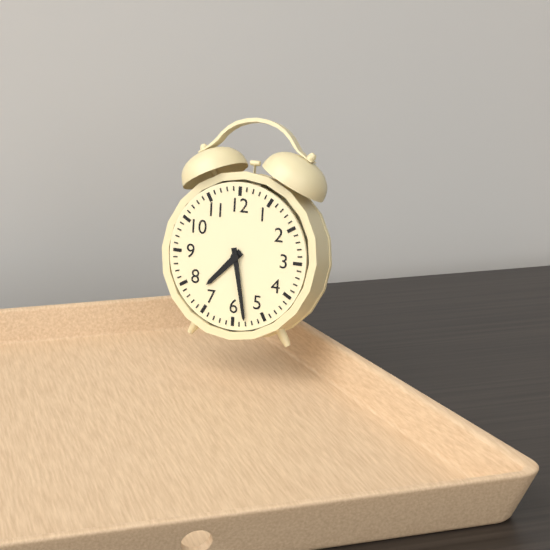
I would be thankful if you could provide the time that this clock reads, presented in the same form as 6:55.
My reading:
7:28
